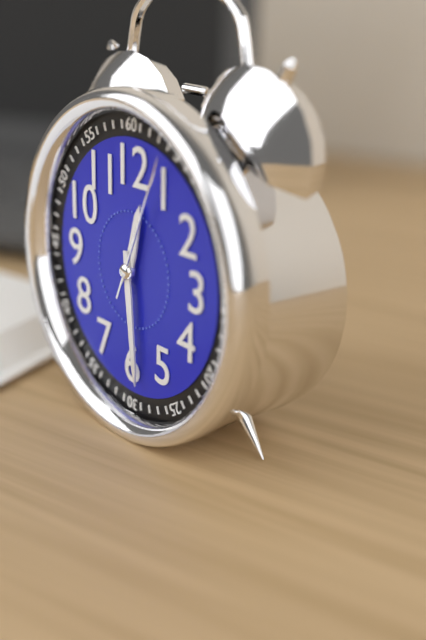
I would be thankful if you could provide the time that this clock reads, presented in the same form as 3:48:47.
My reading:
12:29:04
